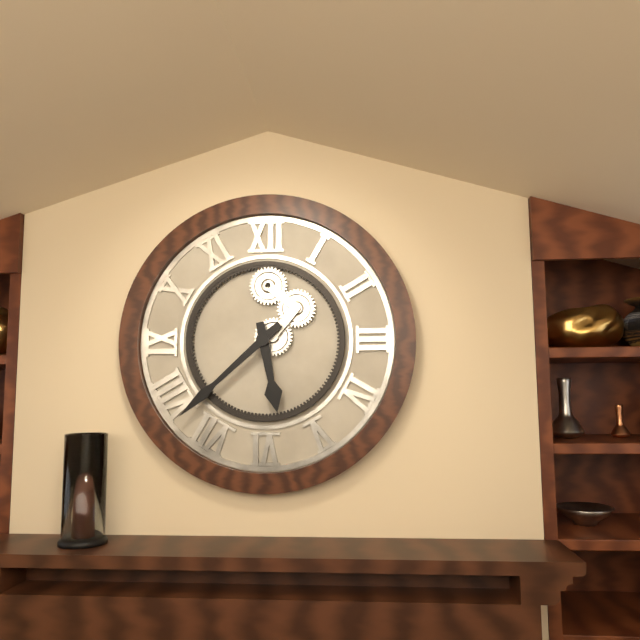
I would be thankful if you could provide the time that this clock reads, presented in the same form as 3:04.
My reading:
5:38
